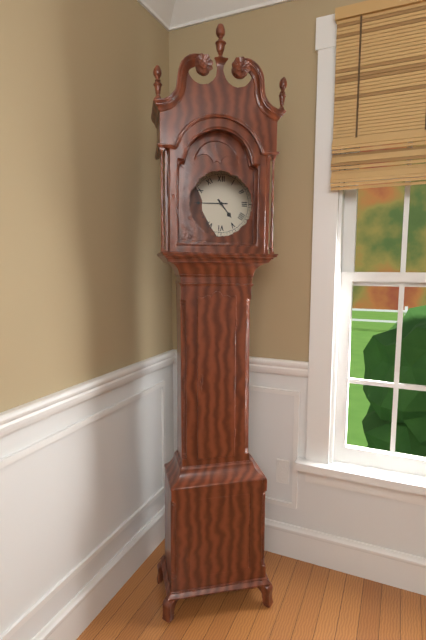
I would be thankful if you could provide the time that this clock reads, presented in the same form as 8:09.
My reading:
4:45
